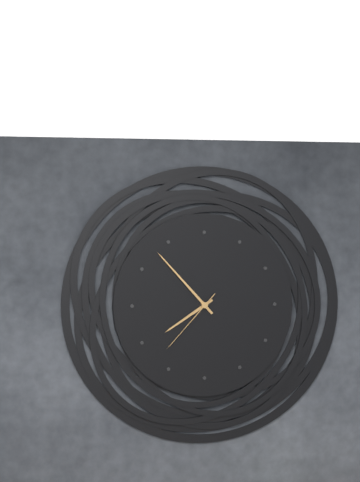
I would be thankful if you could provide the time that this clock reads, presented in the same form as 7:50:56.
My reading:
7:53:37
